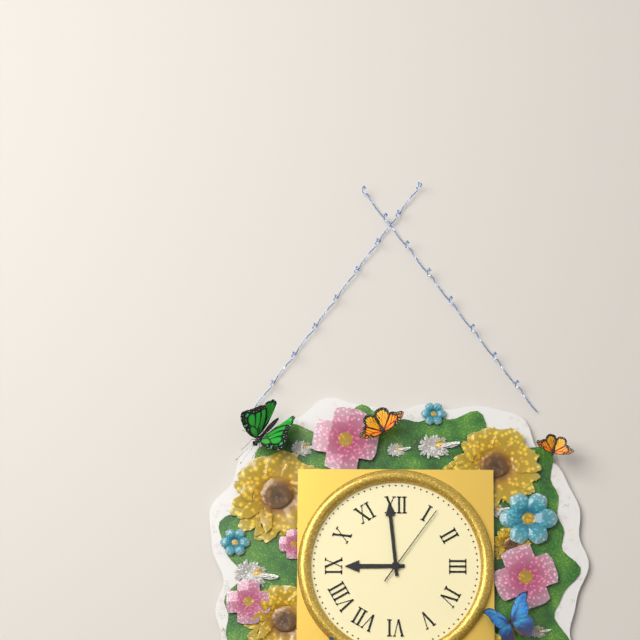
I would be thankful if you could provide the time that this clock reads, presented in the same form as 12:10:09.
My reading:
8:59:06
